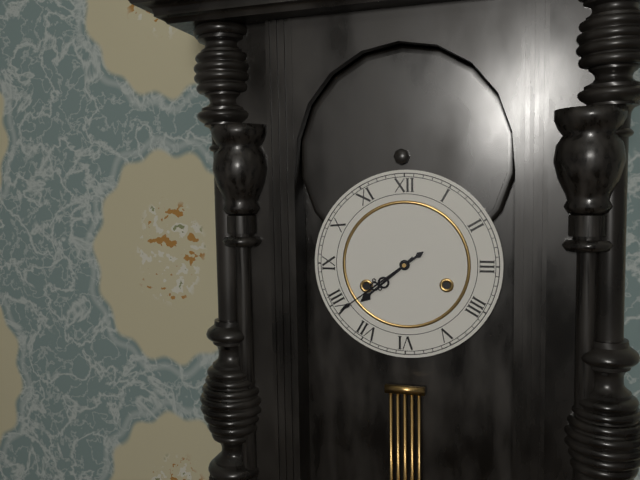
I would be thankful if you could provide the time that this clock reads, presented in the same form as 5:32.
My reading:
7:39
